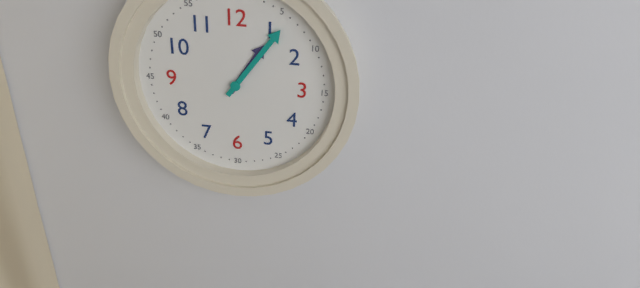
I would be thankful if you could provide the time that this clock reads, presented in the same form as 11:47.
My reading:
1:06
